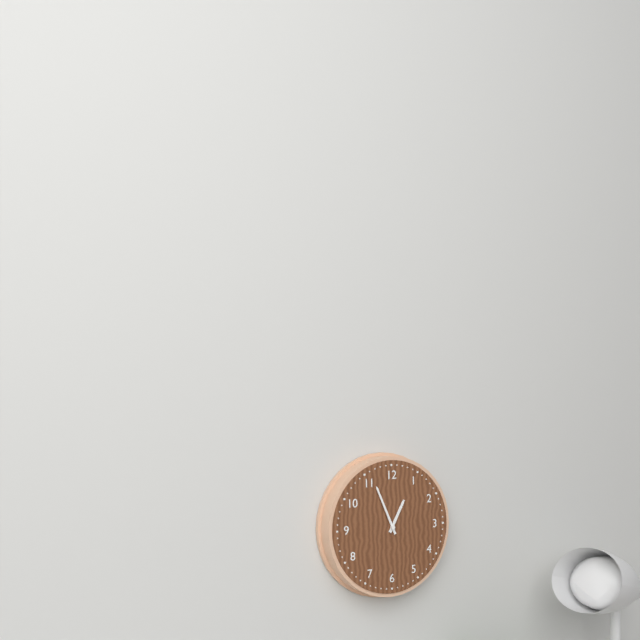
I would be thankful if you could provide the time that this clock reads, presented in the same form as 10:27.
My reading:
12:56
